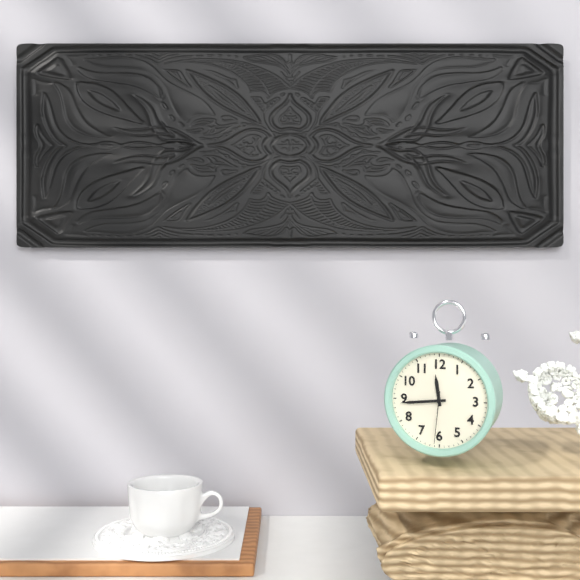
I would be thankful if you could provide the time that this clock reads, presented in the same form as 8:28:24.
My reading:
11:44:31
